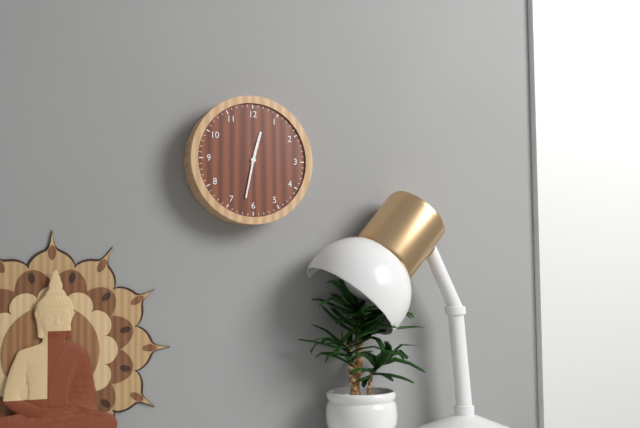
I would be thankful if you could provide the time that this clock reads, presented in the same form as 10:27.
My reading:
12:32
